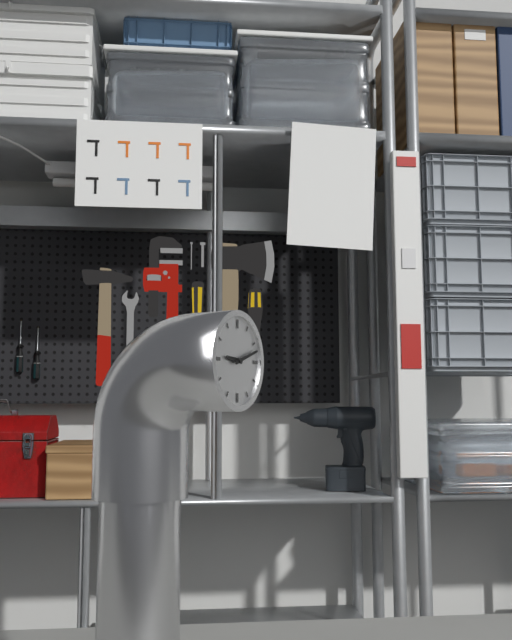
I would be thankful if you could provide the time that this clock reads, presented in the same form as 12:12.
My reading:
9:12
